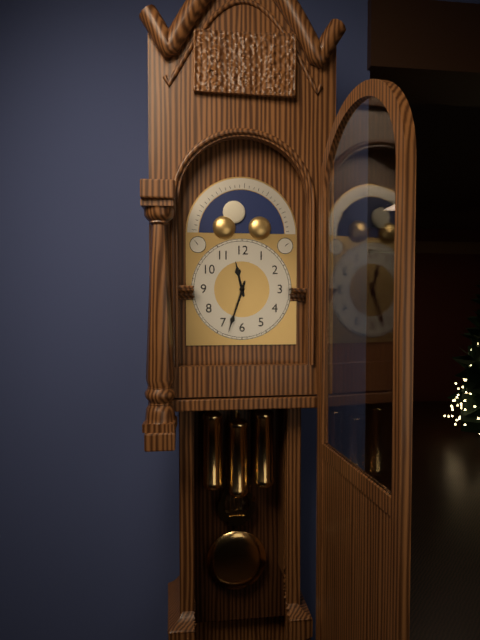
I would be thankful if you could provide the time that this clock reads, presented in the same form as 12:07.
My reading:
11:33
